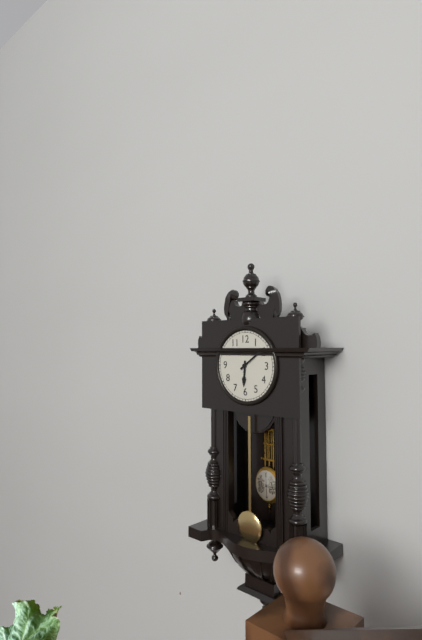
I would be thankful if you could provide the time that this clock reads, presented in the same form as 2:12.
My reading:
6:09
